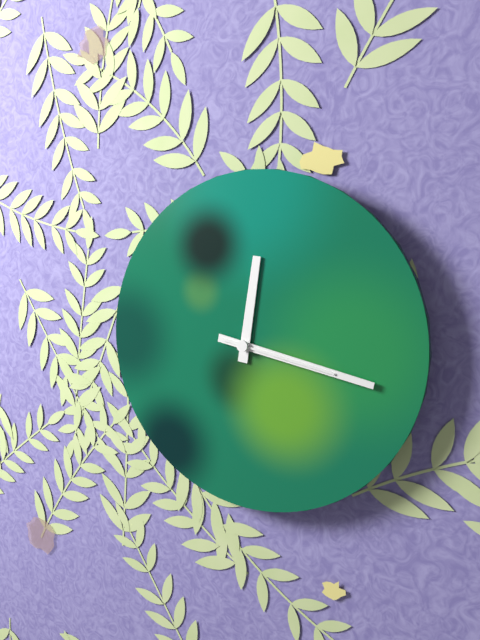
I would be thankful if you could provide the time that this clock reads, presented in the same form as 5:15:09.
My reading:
12:17:17
